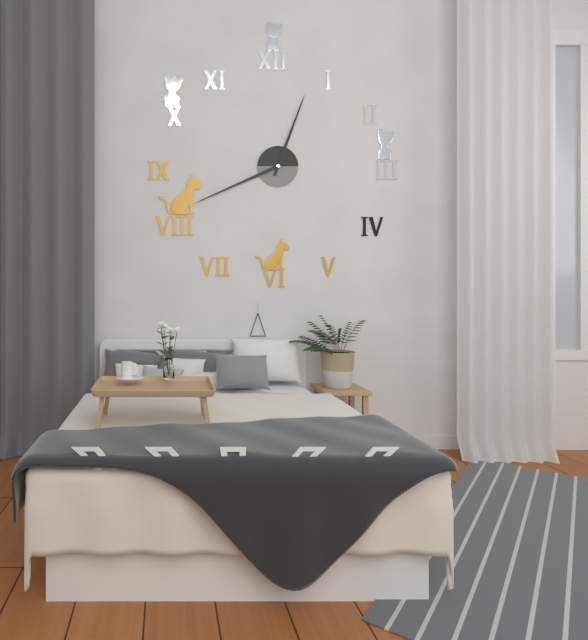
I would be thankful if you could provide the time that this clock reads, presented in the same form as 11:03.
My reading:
12:41
